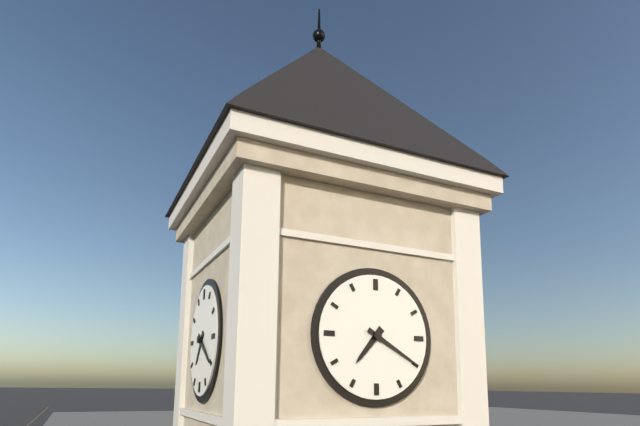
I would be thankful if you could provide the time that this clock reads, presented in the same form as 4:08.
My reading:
7:20
